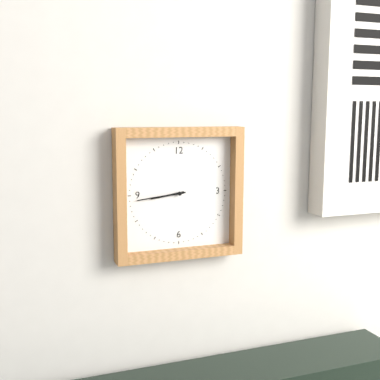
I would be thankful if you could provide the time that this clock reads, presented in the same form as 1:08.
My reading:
8:44
